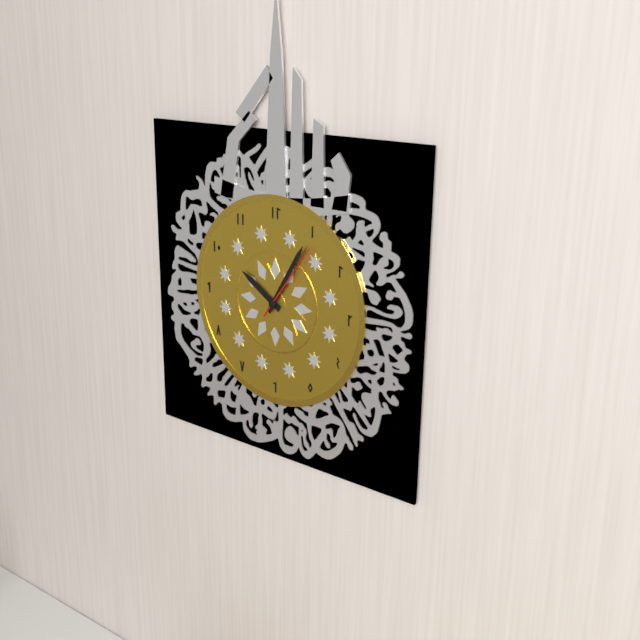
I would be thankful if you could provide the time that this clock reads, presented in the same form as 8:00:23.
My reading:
10:05:06
